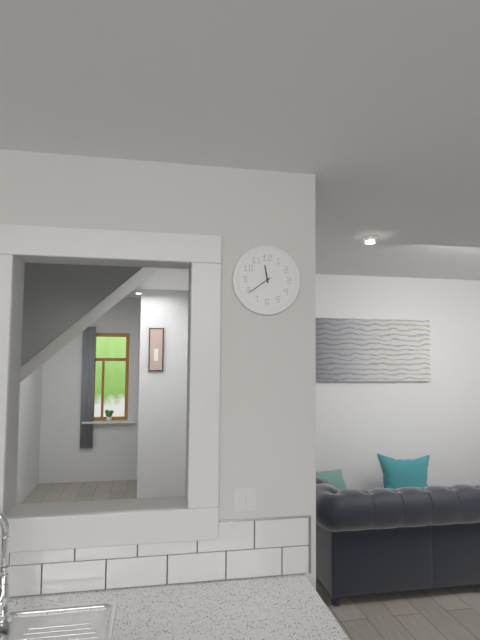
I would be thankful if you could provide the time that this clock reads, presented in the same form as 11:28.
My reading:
11:39
